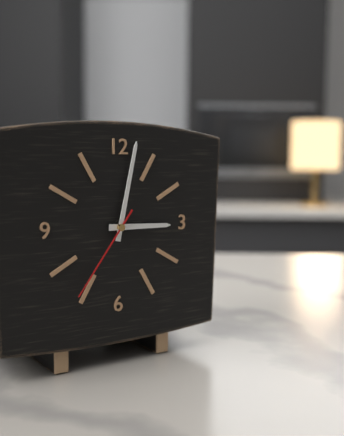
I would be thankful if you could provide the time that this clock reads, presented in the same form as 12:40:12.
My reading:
3:02:36
